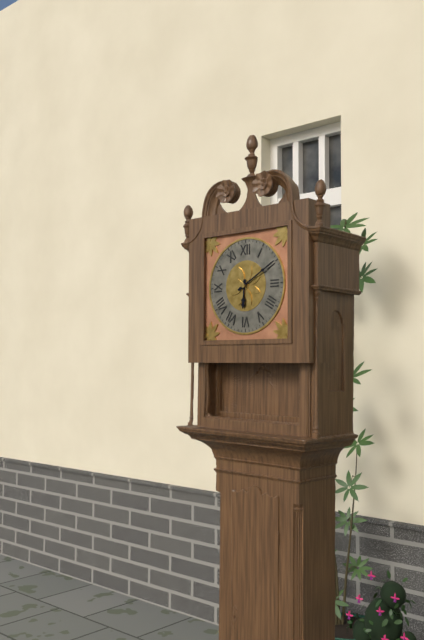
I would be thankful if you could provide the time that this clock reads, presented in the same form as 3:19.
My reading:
6:10
